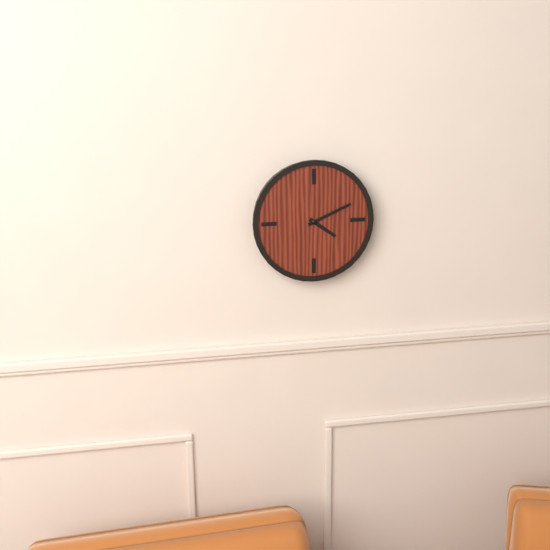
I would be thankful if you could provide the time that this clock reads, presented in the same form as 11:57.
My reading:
4:11
